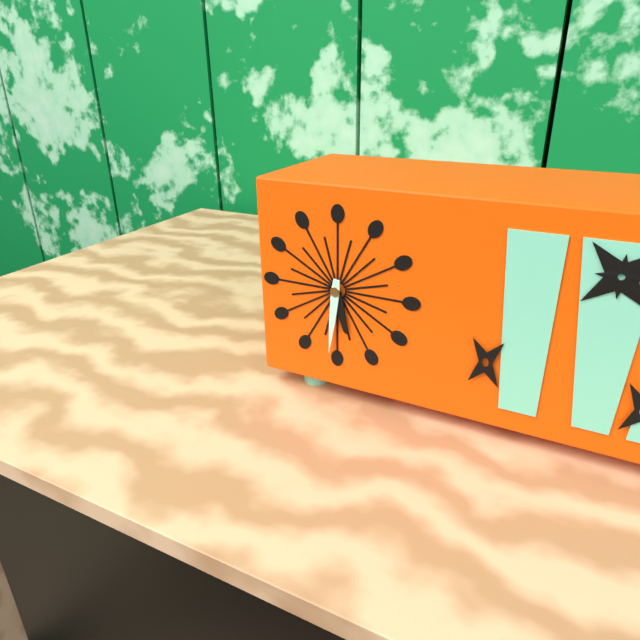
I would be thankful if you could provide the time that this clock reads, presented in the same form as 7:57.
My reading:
5:31
